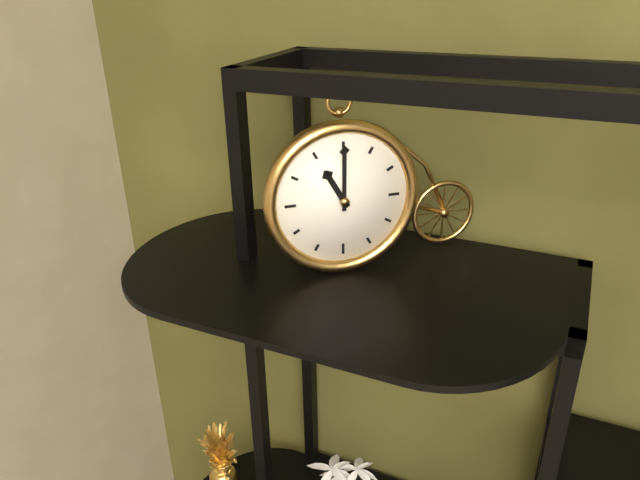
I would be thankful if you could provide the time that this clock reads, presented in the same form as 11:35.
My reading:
11:00
